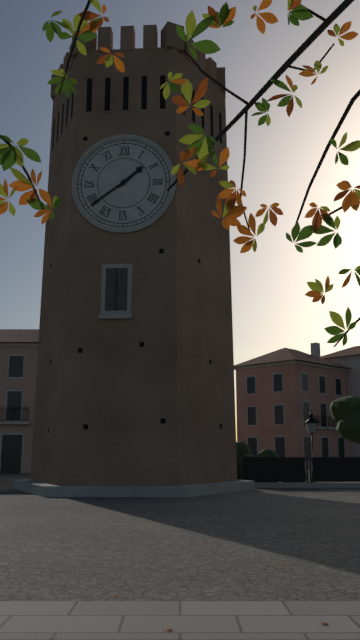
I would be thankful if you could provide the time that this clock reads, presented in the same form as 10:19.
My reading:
1:39
